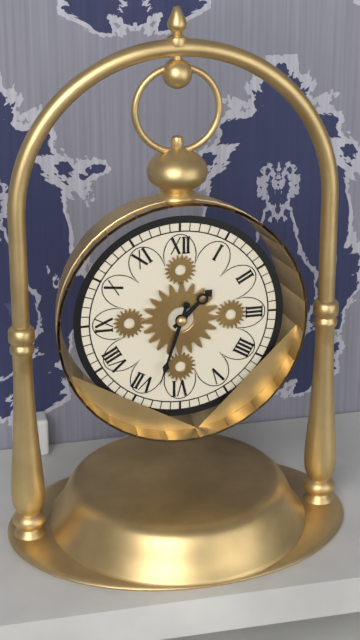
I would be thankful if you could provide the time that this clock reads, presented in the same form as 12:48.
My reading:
1:33
